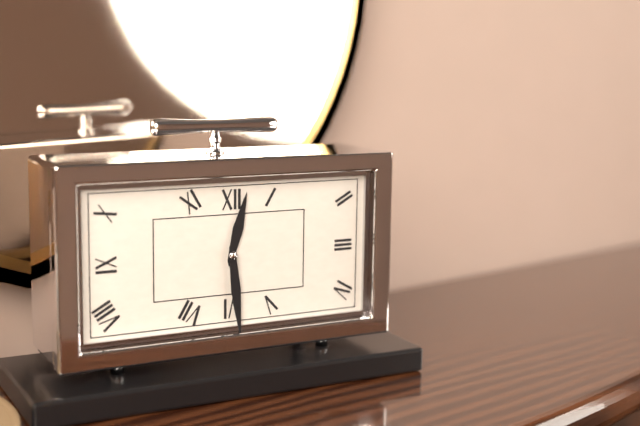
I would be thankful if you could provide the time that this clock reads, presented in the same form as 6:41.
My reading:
12:29
